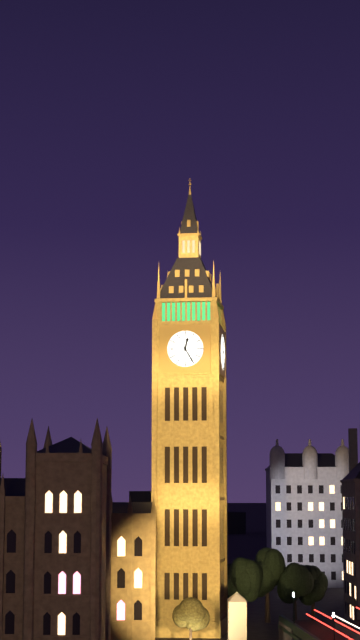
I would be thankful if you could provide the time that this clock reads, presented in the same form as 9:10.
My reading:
12:25
